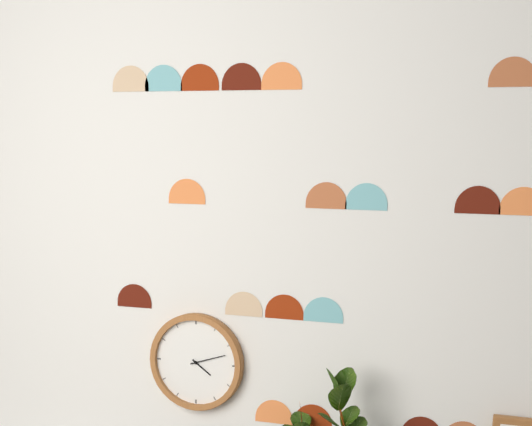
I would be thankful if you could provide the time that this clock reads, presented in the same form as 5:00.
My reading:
4:12
